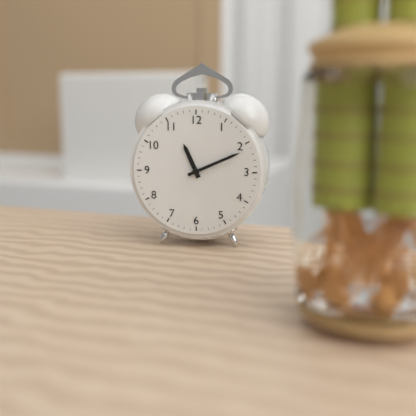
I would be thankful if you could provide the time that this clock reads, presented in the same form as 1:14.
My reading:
11:11
